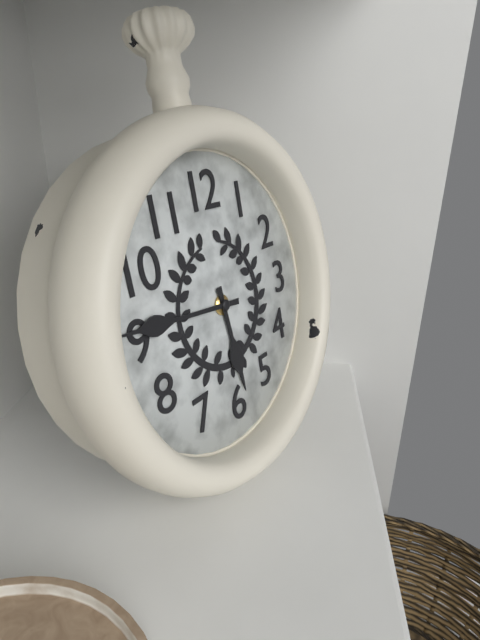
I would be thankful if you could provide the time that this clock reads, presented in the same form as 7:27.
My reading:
5:46
